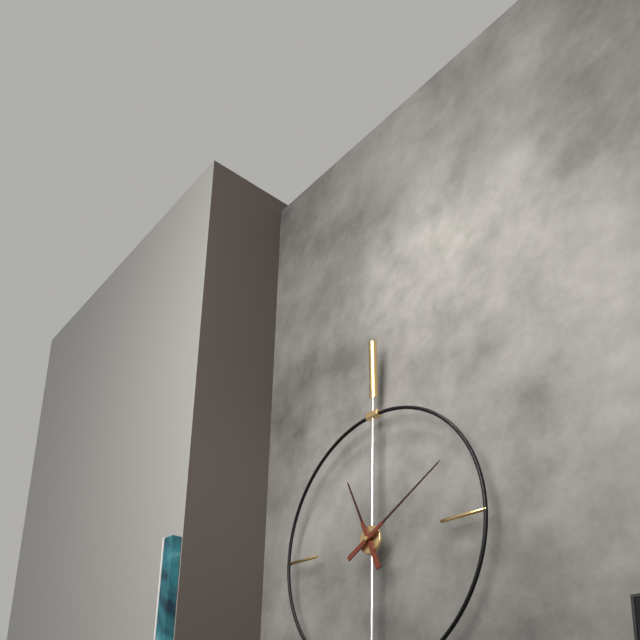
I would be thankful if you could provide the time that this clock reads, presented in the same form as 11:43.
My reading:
11:10
